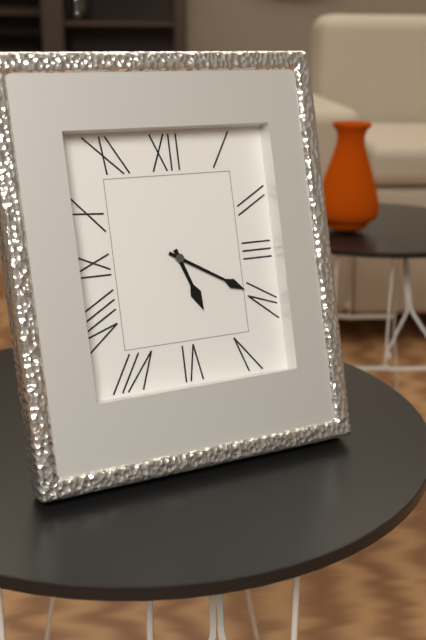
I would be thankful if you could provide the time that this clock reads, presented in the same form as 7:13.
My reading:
5:20
